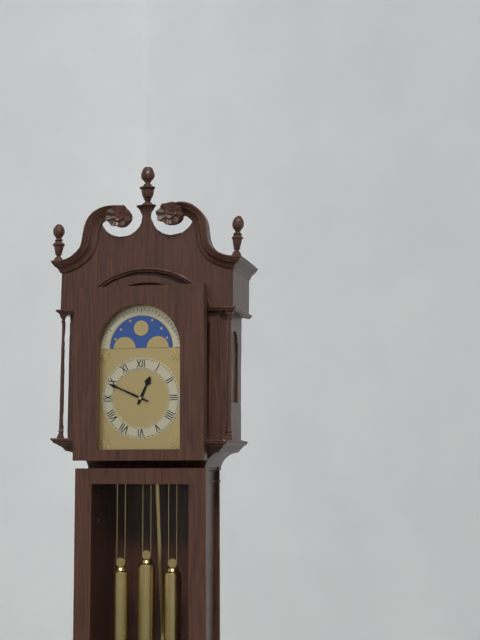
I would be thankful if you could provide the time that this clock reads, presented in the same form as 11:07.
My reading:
12:49
